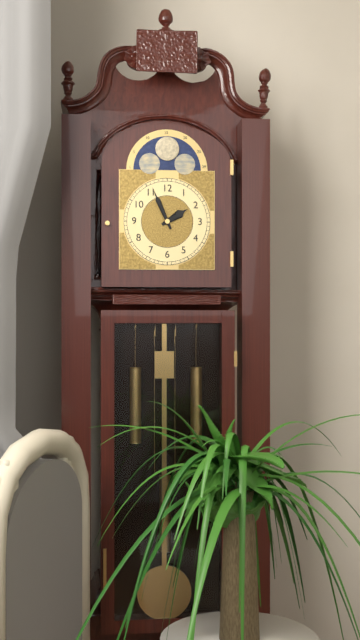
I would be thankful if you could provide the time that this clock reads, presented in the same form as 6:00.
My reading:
1:56
